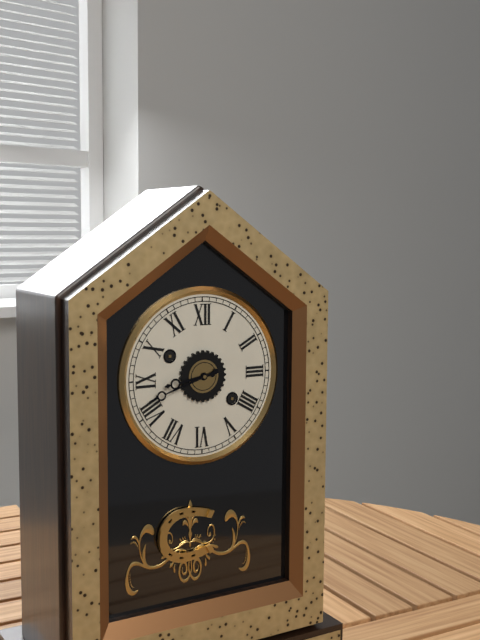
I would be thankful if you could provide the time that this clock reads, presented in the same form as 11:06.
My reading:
8:42
